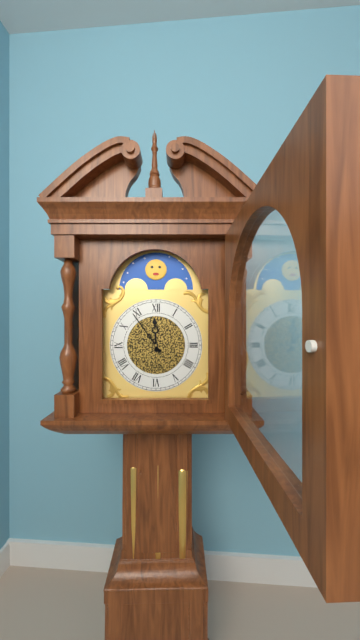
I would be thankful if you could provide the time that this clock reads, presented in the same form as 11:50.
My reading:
11:54
